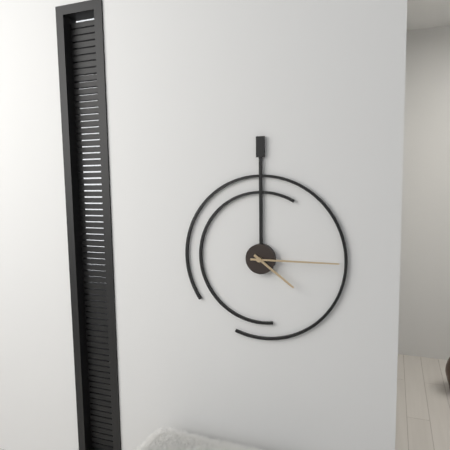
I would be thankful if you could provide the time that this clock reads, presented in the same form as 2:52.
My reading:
4:15
